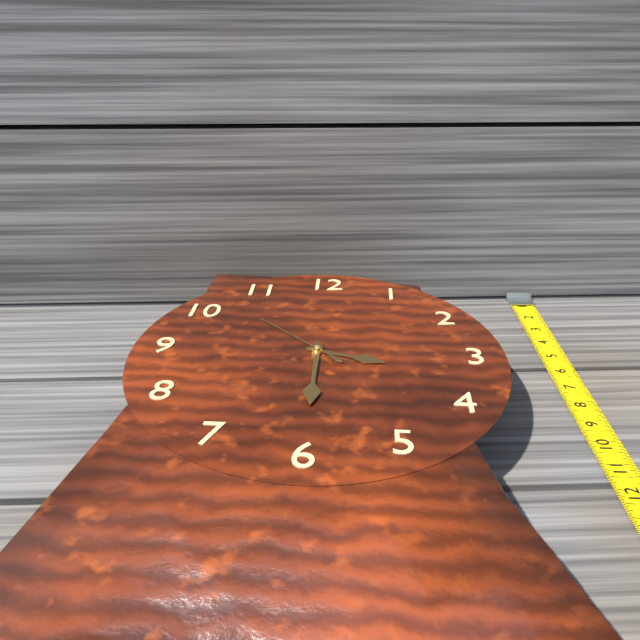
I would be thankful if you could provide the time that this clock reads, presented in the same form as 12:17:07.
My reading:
3:30:52
